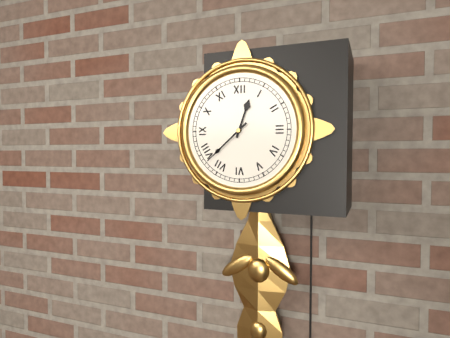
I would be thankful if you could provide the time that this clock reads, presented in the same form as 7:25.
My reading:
12:38
